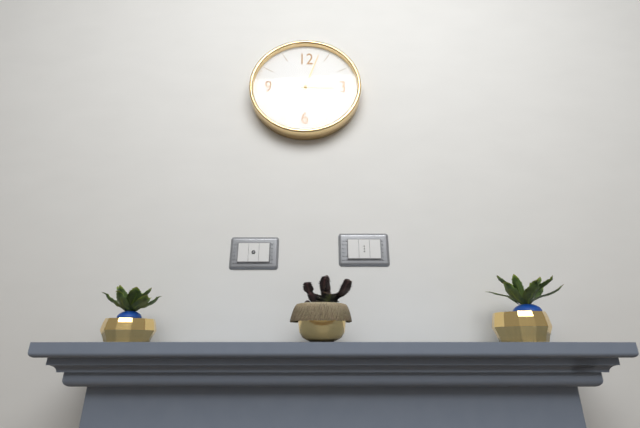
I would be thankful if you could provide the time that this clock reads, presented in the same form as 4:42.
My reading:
3:03
